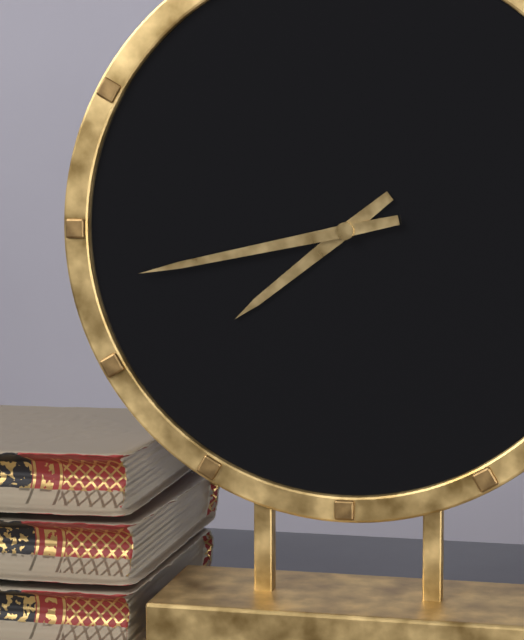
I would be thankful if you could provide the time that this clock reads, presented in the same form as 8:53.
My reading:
7:43
